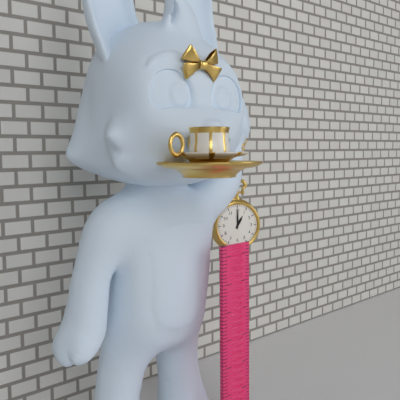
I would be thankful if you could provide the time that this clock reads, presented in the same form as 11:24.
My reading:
1:00
